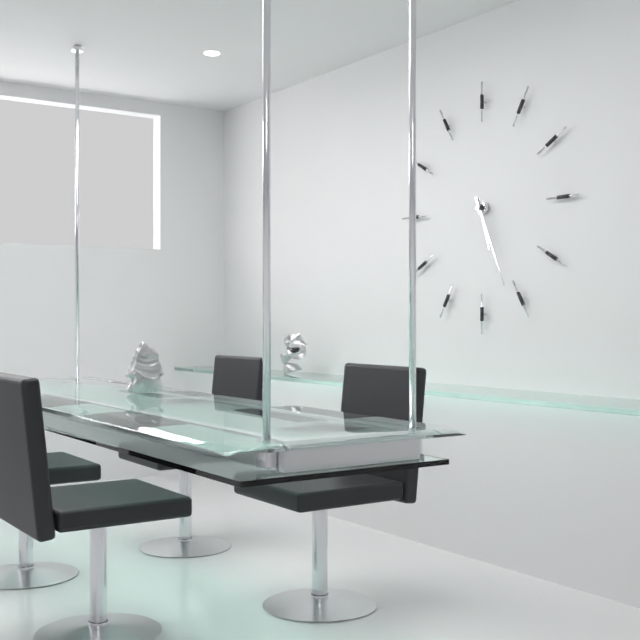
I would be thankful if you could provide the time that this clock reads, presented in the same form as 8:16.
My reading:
5:26
